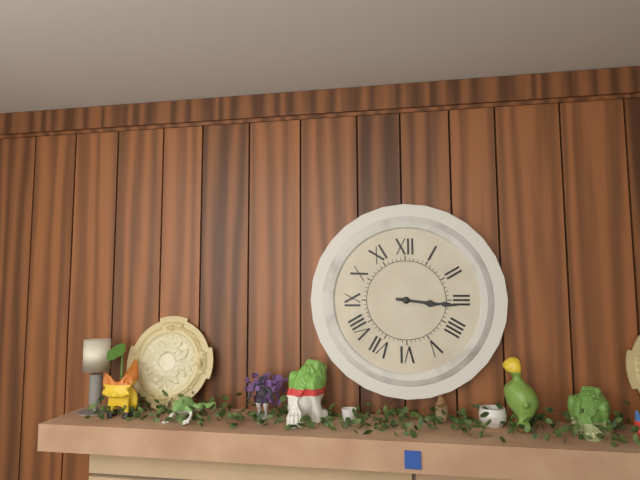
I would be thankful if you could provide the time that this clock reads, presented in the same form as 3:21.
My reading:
3:16
